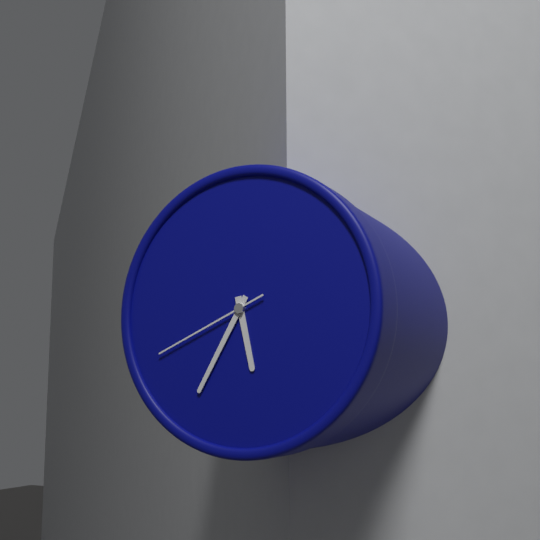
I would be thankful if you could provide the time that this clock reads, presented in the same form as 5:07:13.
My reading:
5:35:41
